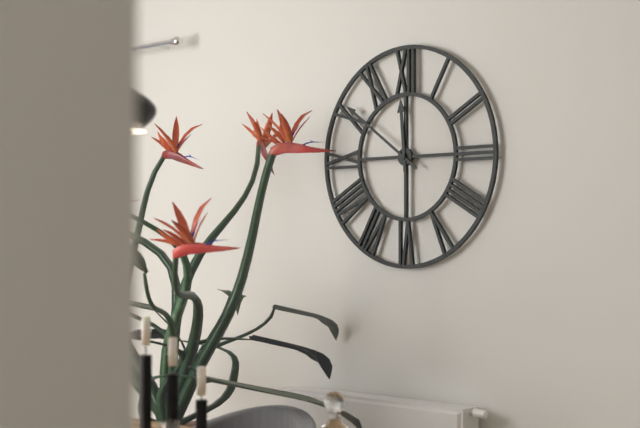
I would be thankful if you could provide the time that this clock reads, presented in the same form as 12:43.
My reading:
11:51
